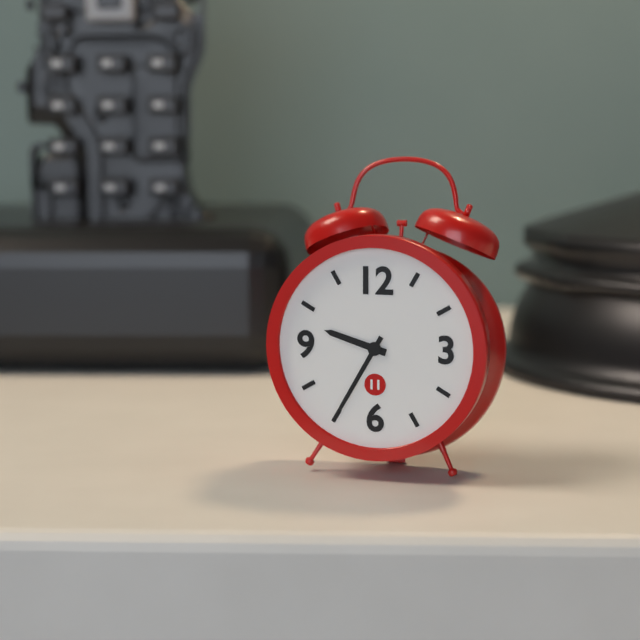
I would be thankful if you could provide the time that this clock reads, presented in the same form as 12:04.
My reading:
9:35
